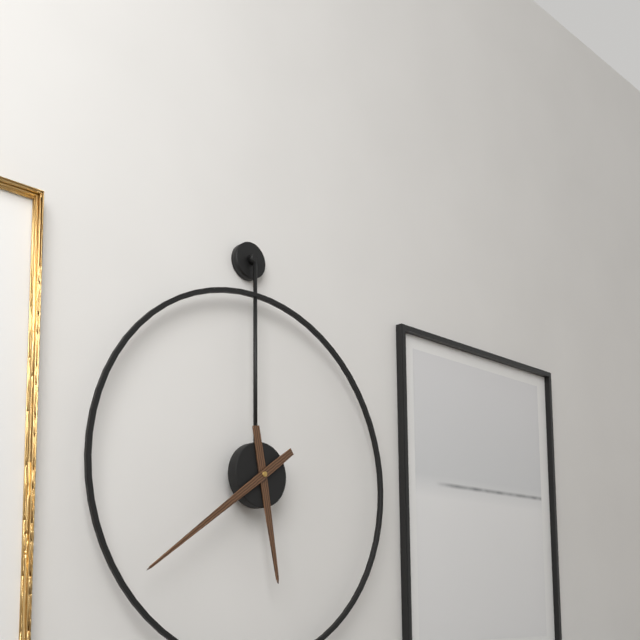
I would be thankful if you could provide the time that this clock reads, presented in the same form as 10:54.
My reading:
5:39
